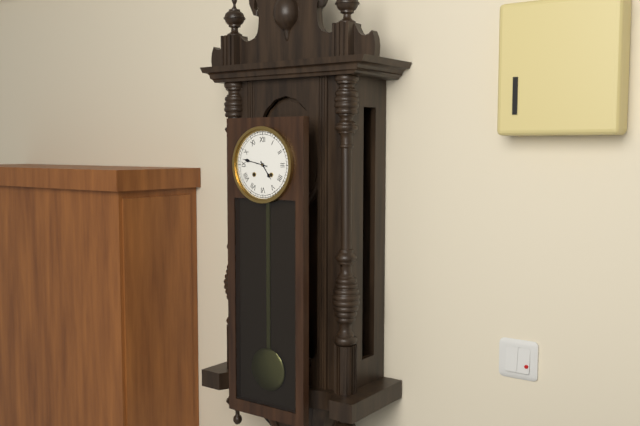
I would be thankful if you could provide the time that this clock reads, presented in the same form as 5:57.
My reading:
4:47
